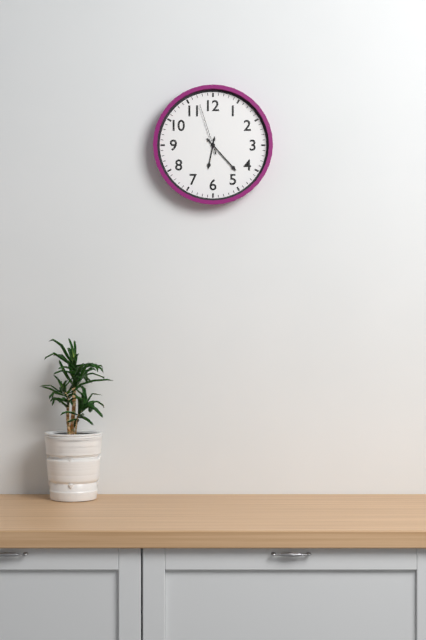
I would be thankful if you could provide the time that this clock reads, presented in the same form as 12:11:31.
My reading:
6:23:57
